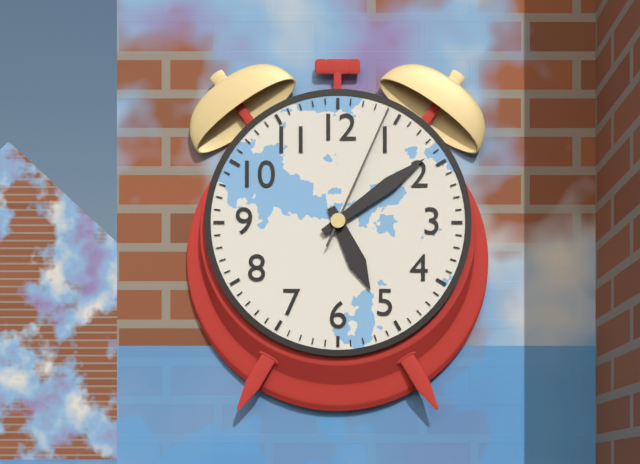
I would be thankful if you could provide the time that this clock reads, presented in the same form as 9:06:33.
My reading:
5:09:04
